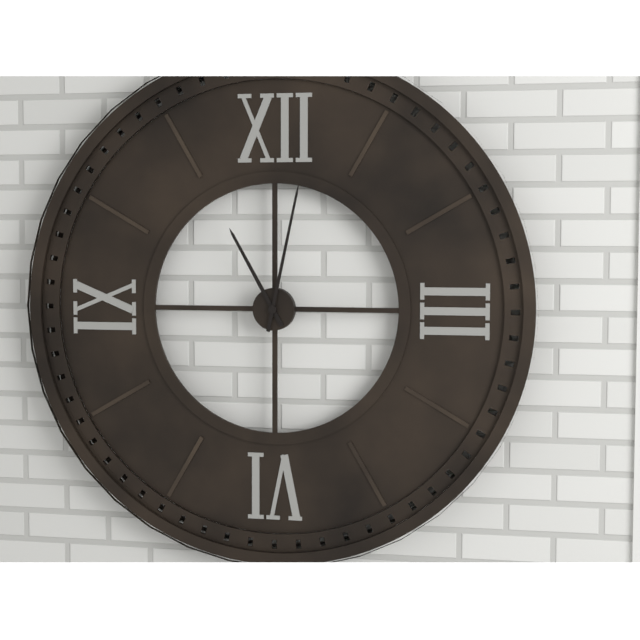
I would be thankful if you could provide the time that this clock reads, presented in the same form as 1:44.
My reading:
11:02
